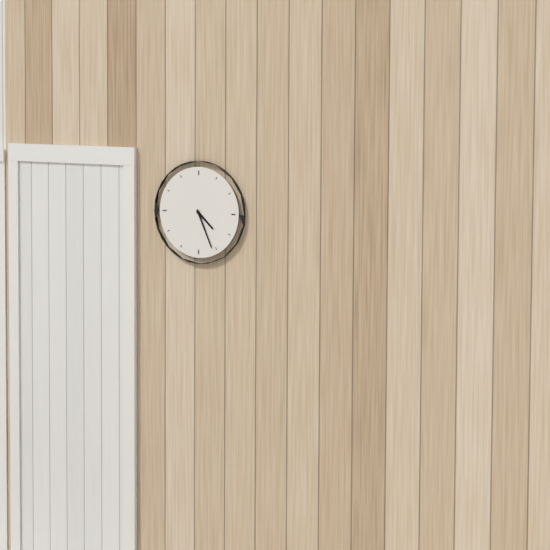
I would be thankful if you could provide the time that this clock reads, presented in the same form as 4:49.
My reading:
4:26
